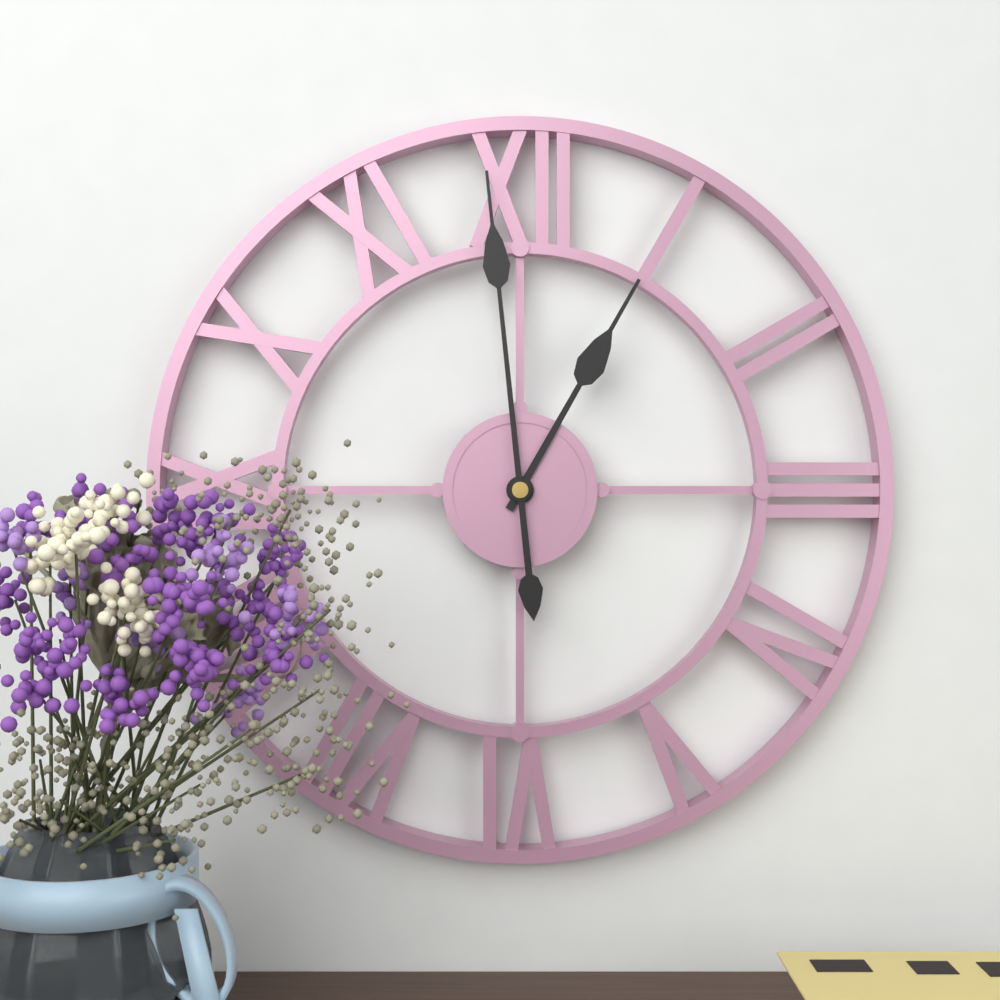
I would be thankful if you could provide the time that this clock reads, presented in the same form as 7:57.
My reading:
12:59
